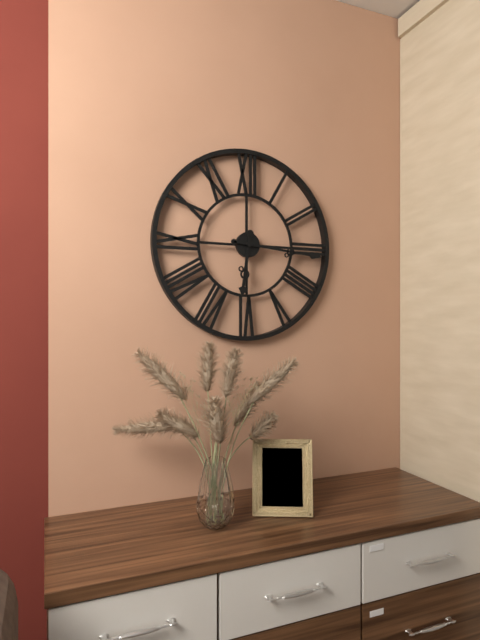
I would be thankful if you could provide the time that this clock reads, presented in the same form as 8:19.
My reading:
6:16
